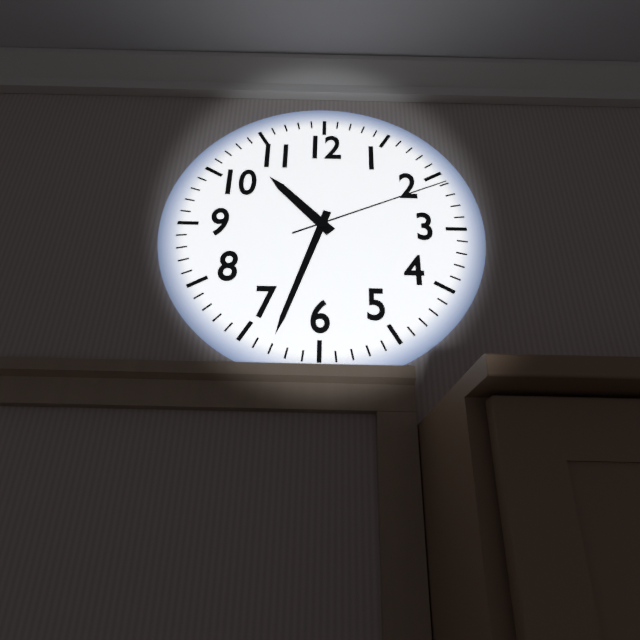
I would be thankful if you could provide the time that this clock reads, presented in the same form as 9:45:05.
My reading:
10:33:11
